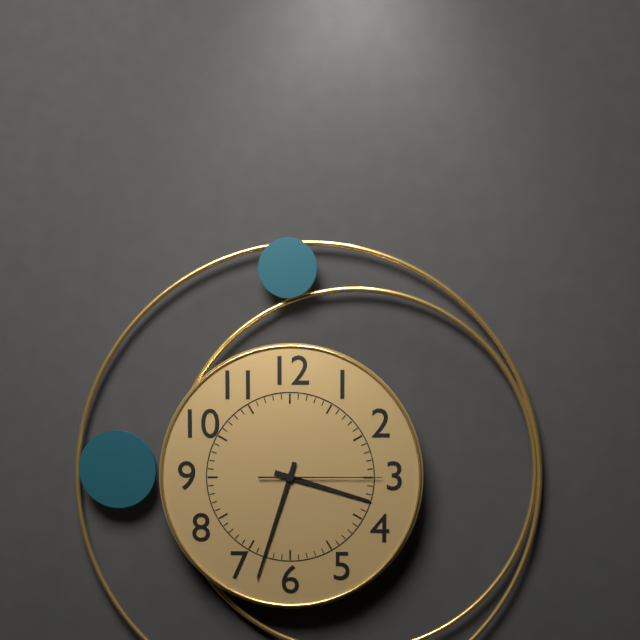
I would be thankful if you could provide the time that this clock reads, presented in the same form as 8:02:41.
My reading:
3:33:15
